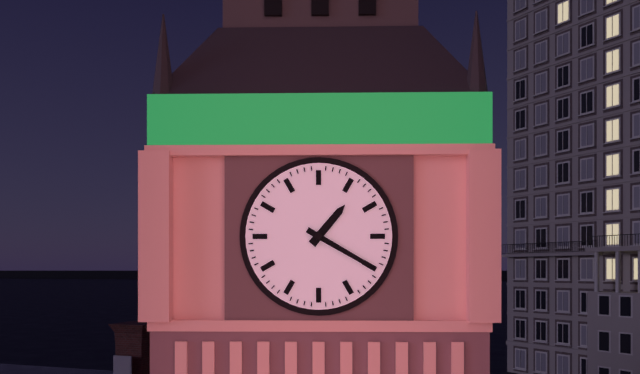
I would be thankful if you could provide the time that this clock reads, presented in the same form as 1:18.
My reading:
1:20
